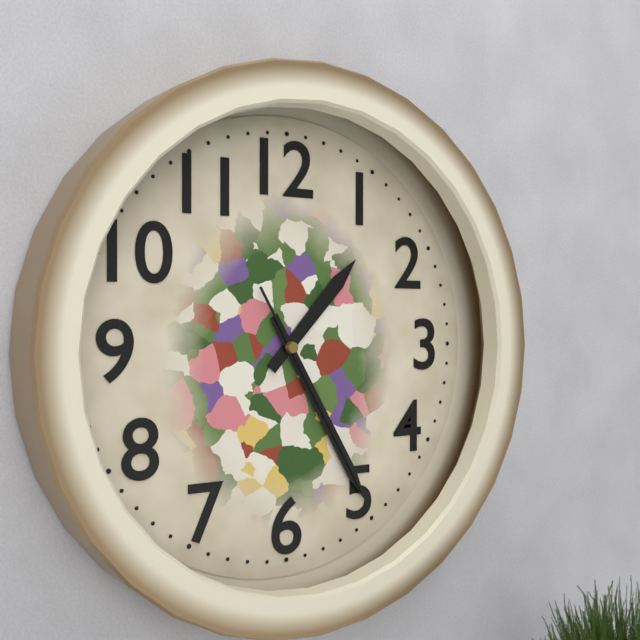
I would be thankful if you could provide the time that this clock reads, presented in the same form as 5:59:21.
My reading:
1:25:25
